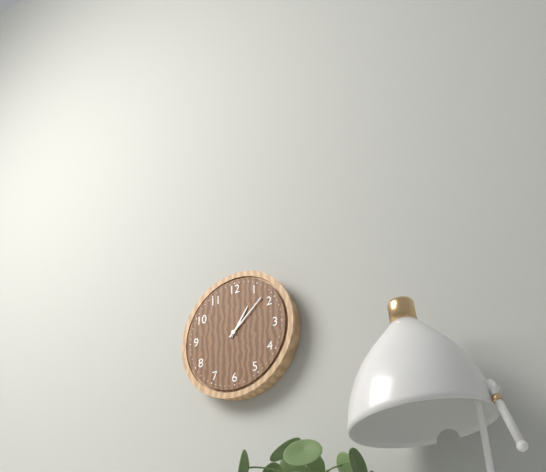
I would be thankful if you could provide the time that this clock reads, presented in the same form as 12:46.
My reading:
1:08
